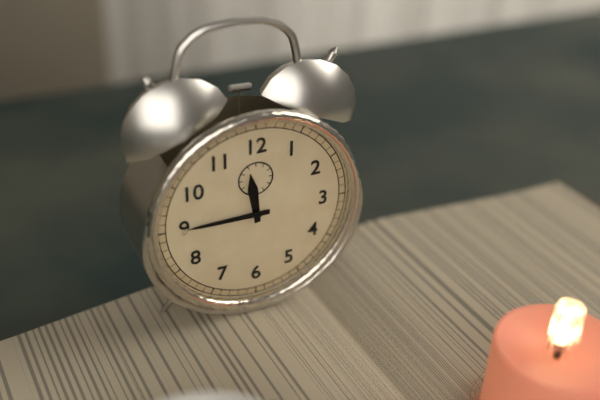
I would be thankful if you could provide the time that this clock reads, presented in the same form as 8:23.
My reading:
11:45
